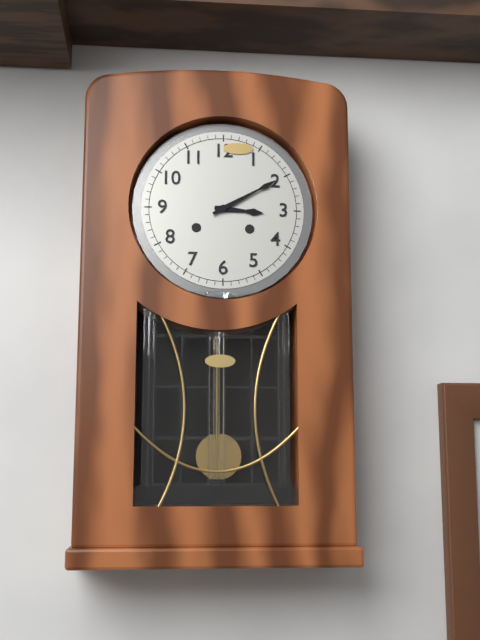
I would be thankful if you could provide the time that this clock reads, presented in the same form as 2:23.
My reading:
3:10
